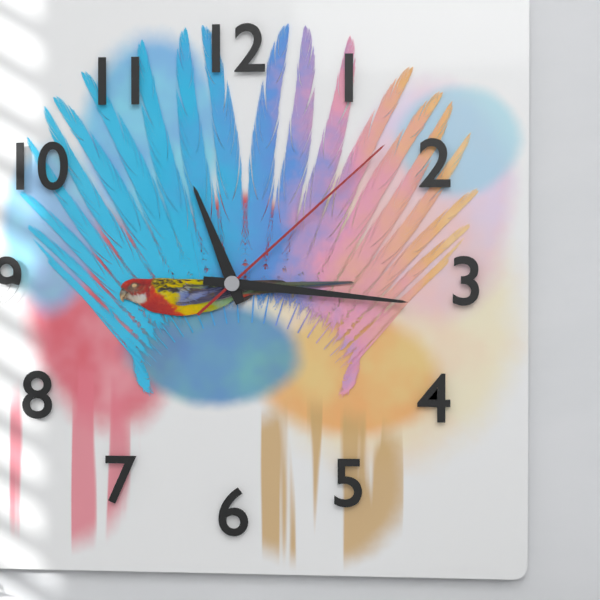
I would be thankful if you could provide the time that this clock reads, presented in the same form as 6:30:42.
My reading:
11:16:08
